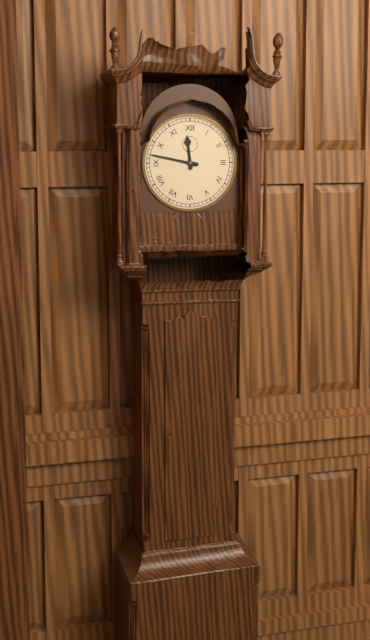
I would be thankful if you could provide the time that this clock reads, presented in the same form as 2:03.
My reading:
11:47
